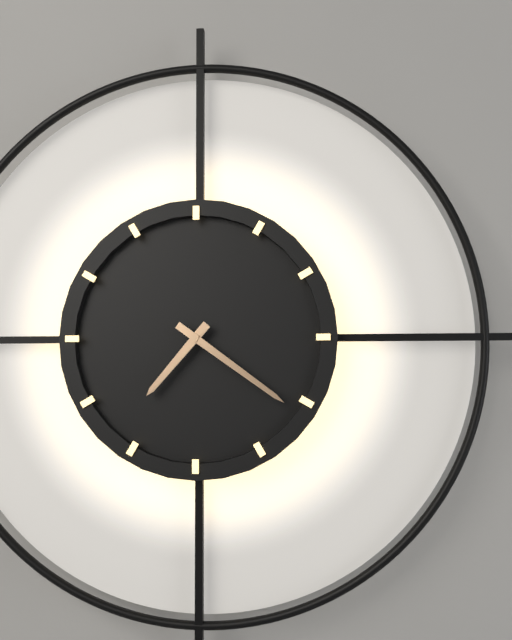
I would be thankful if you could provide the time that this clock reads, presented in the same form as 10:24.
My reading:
7:21
